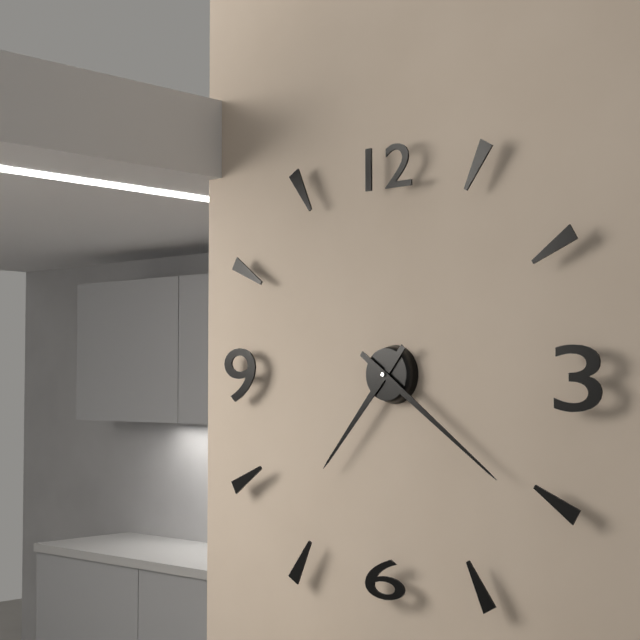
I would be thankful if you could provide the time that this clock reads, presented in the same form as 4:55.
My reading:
7:21
